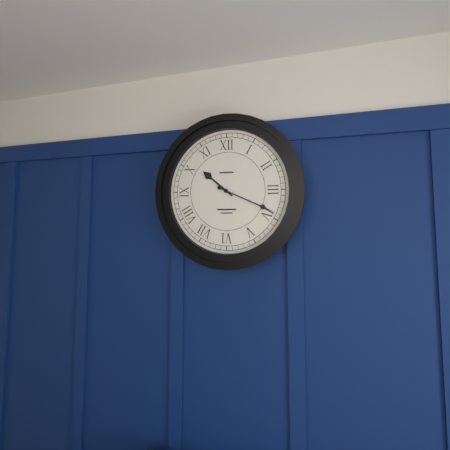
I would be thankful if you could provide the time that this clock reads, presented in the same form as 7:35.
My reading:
10:19
